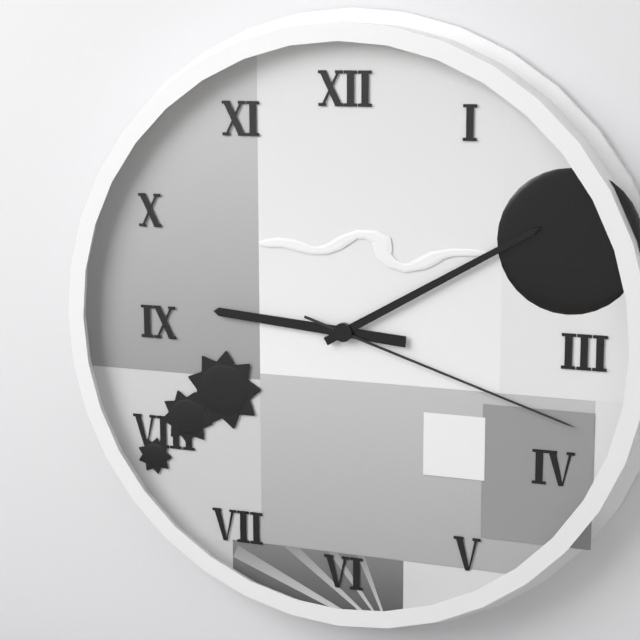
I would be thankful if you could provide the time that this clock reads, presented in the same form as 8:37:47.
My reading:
9:10:18
